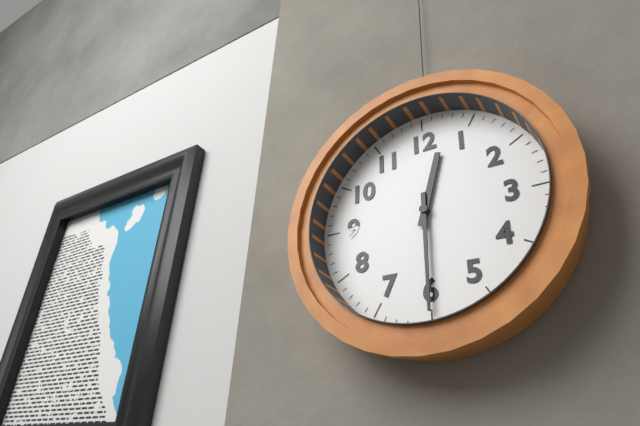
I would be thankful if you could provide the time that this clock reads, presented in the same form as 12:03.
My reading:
12:30
